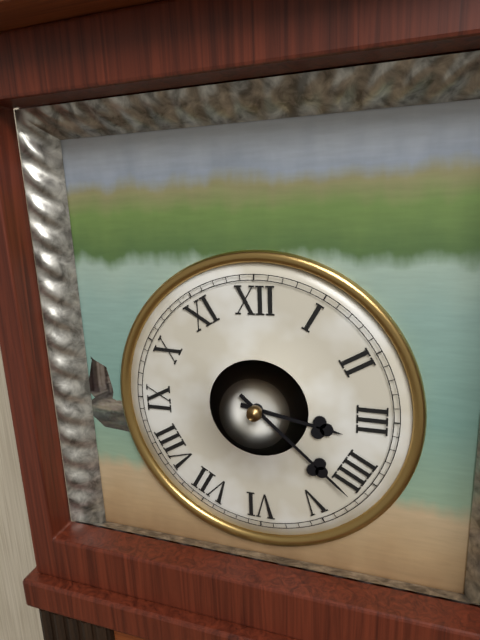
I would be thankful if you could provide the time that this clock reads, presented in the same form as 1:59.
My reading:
3:22
